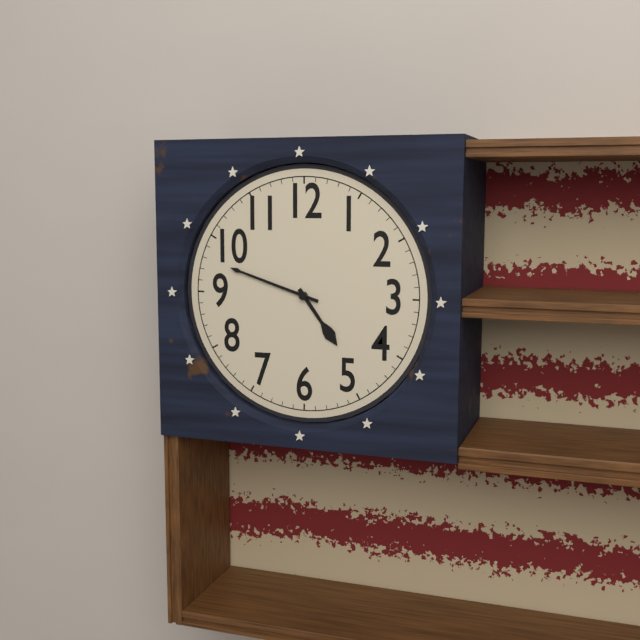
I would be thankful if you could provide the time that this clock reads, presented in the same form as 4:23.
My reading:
4:48
